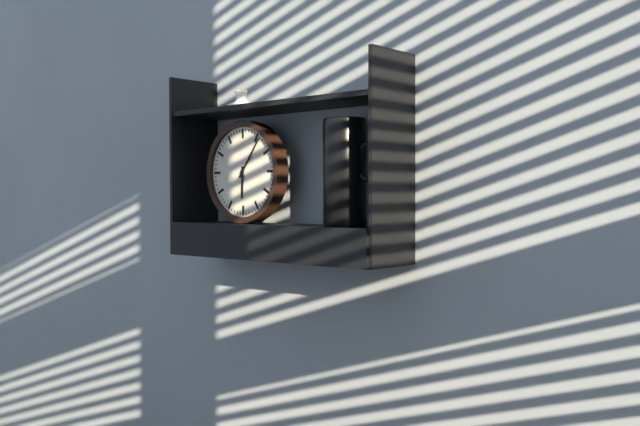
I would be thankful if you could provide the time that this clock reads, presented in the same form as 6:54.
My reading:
6:06
